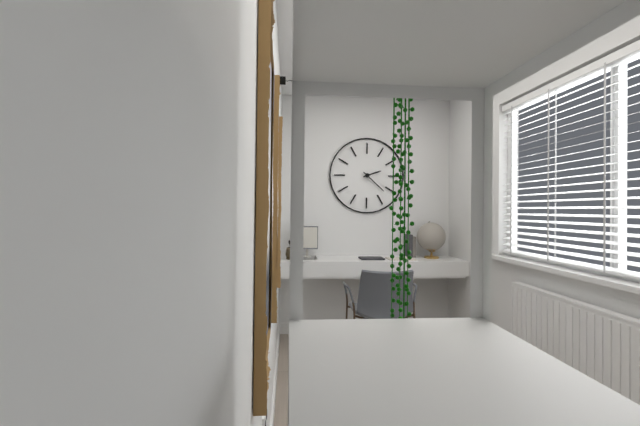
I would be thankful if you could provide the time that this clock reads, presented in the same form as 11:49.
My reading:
2:22
